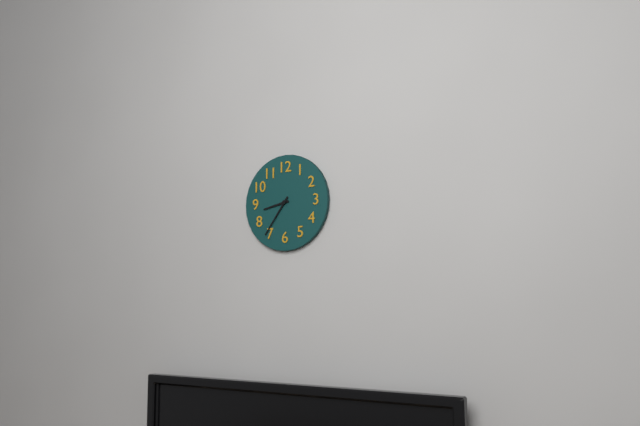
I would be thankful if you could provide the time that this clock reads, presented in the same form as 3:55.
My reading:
8:36
